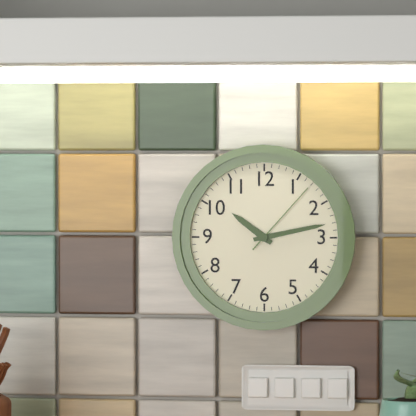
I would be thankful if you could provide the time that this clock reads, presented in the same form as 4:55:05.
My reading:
10:13:07
